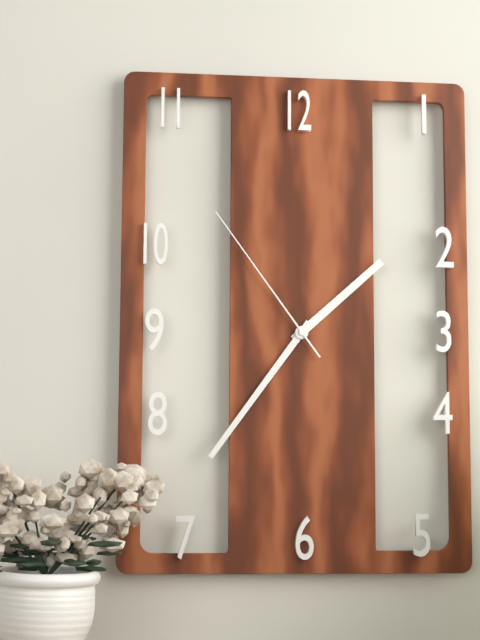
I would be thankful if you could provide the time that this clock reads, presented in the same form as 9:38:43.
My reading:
1:36:54
